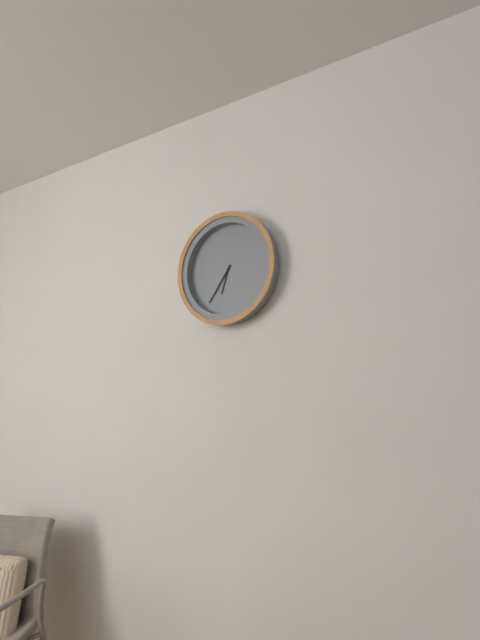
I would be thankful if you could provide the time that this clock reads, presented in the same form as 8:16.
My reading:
6:36
